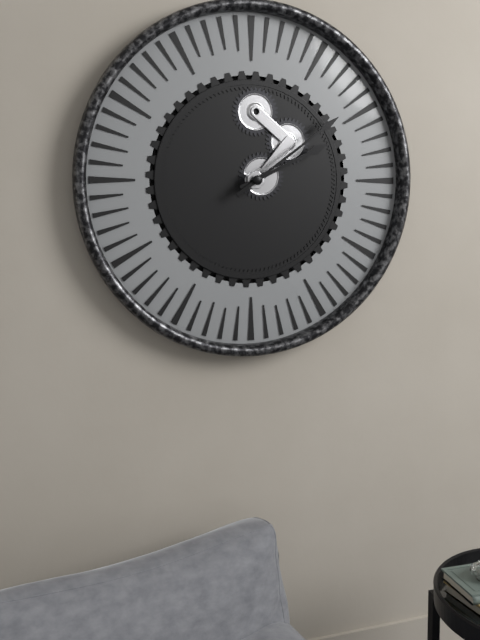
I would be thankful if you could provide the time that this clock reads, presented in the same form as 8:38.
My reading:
2:09
